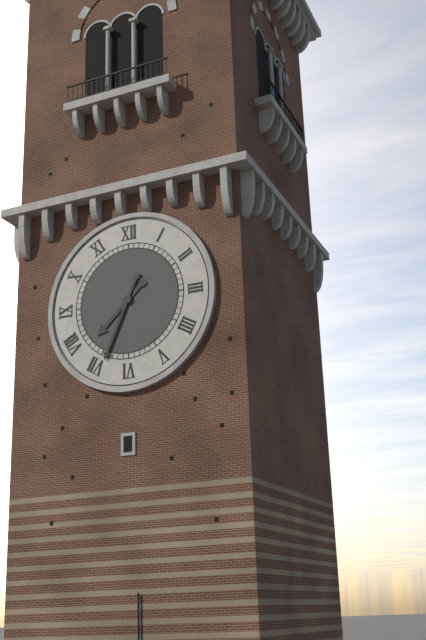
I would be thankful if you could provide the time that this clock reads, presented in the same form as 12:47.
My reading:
7:34
